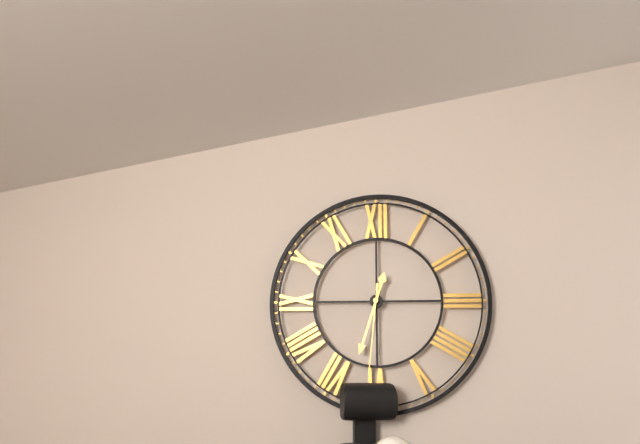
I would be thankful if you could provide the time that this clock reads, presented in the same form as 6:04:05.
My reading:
12:33:31
